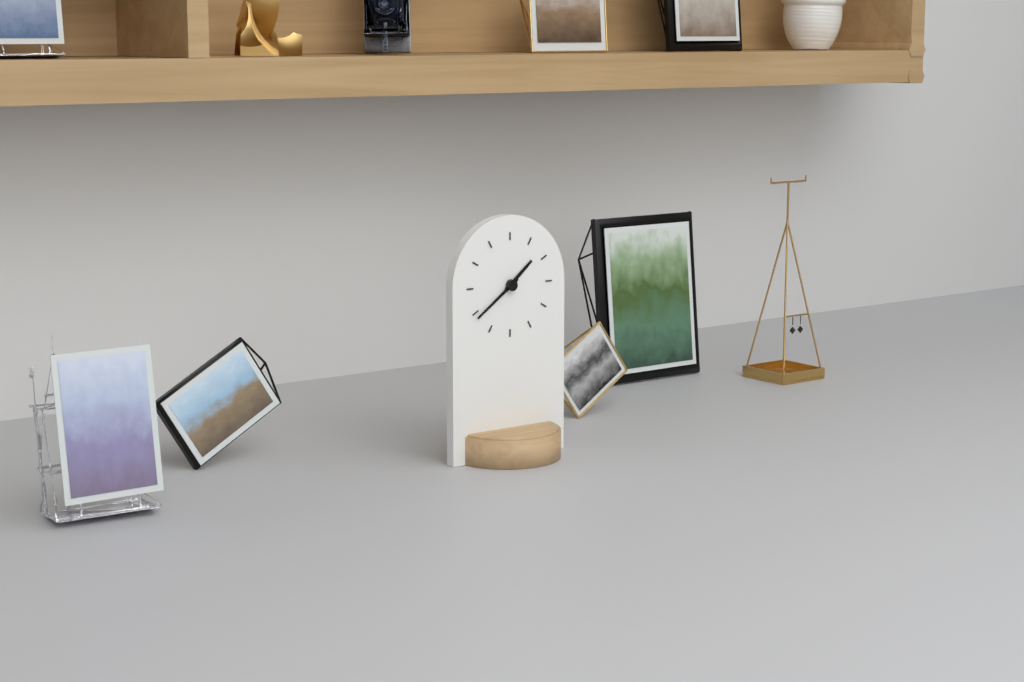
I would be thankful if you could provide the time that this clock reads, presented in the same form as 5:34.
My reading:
1:39
